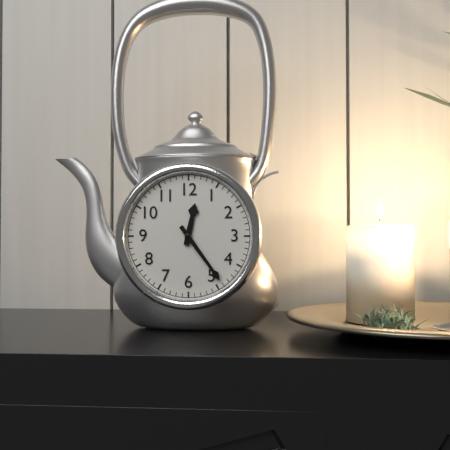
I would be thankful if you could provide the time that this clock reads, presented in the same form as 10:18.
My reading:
12:24
